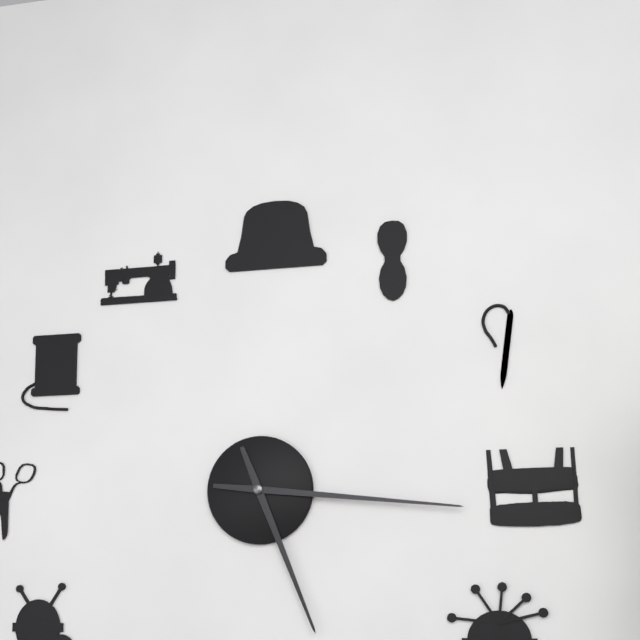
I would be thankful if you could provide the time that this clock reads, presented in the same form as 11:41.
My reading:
5:16
